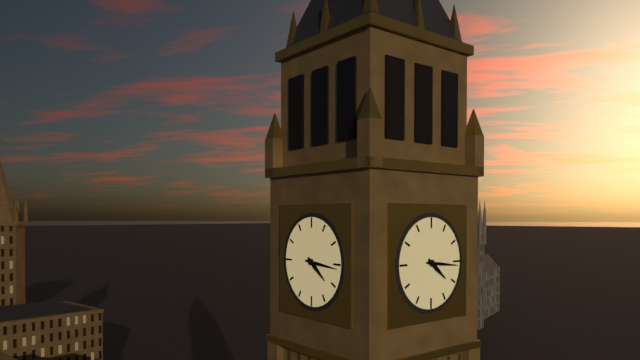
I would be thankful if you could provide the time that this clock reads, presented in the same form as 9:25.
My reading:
4:16
